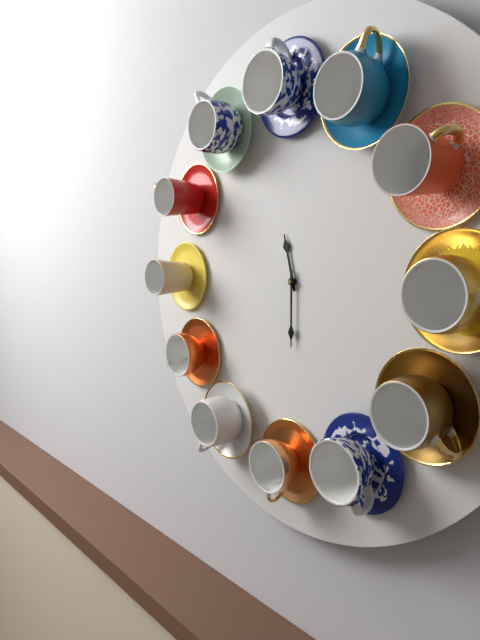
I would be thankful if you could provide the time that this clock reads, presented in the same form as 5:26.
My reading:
11:30
